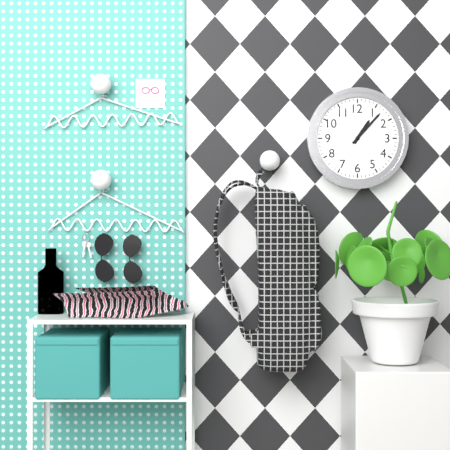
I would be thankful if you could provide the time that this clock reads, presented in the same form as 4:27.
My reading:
1:07
